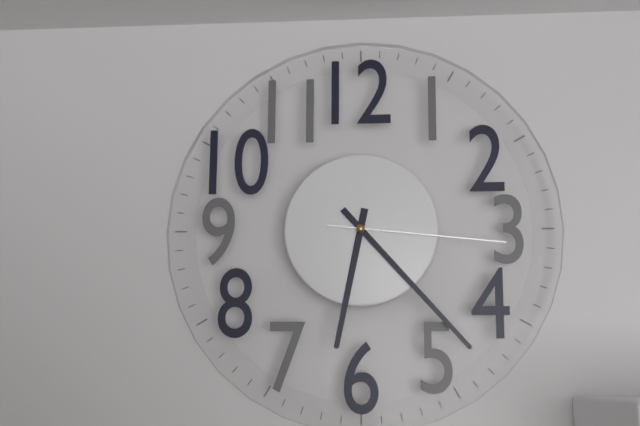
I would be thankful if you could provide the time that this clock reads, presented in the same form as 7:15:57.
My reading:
6:23:16
